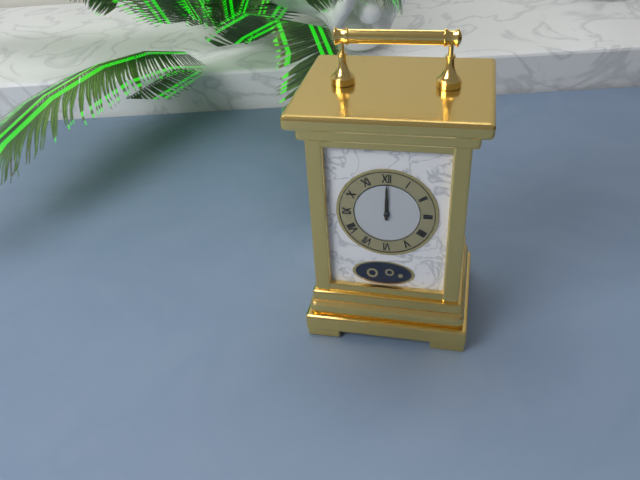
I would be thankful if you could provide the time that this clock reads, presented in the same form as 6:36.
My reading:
12:00
